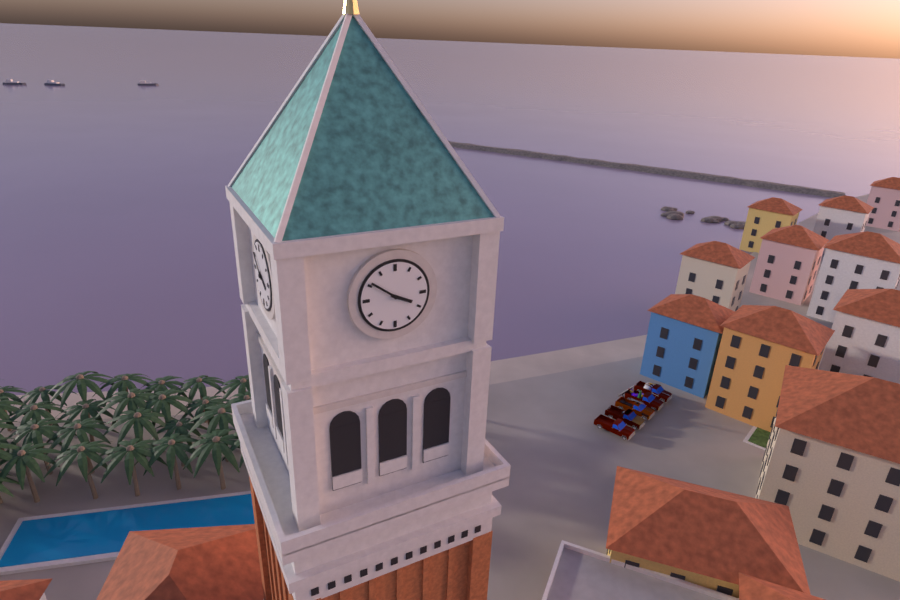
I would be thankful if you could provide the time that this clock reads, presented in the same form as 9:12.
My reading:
3:51
